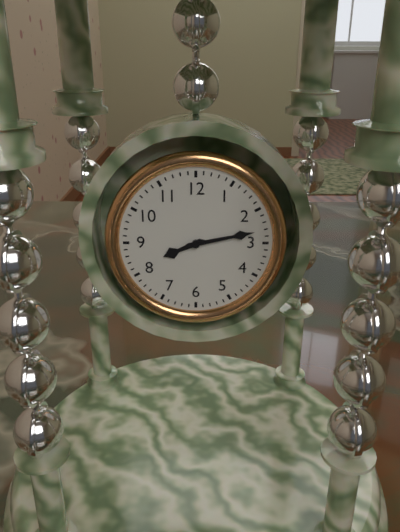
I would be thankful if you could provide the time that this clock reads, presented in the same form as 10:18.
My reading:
8:13
